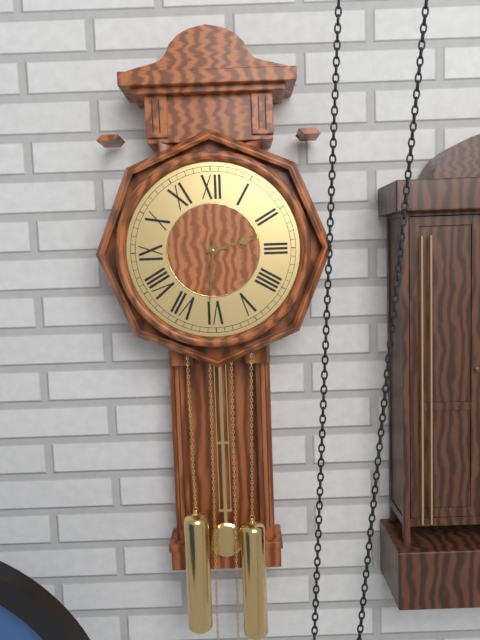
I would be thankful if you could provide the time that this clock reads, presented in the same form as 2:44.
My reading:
2:31
